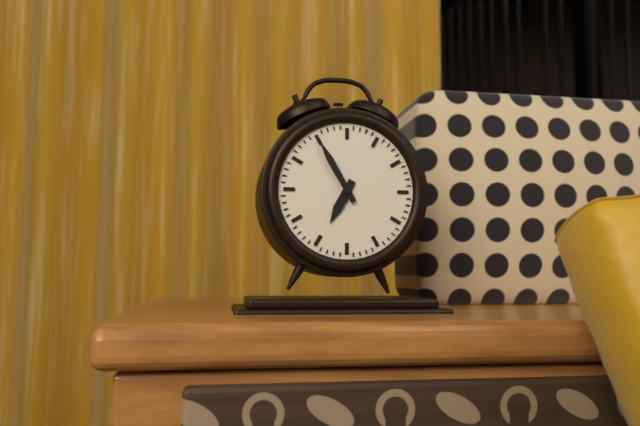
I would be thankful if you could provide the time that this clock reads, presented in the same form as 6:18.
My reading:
6:55
